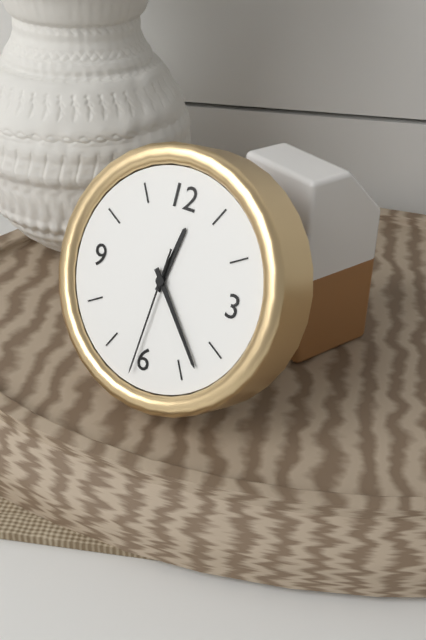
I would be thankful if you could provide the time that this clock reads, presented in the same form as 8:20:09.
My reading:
12:23:31
